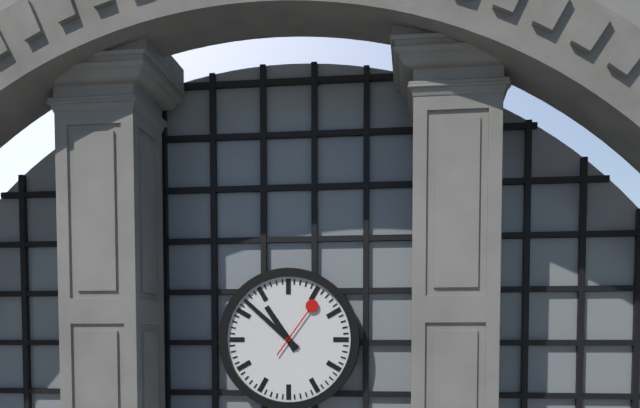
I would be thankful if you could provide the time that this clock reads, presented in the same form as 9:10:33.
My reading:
10:52:06
